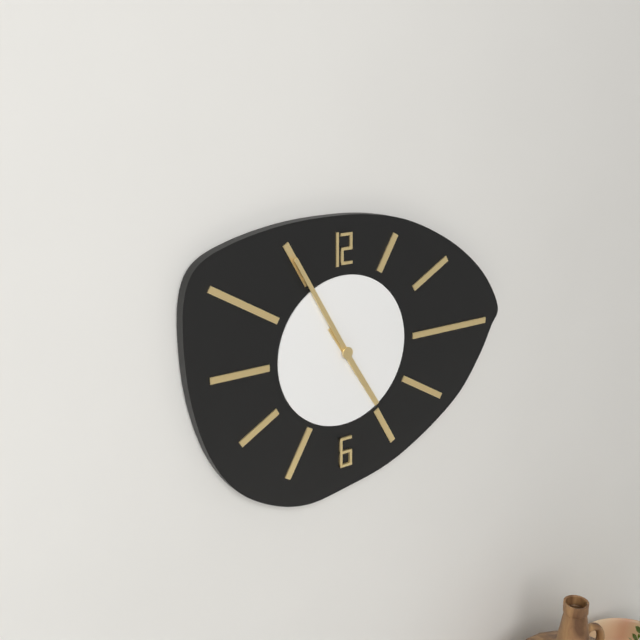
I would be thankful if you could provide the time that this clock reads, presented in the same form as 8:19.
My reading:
4:55
